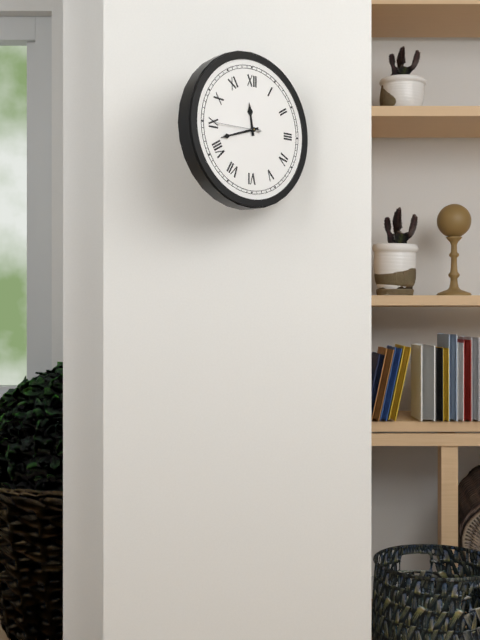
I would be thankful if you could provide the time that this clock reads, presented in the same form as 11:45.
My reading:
11:42
